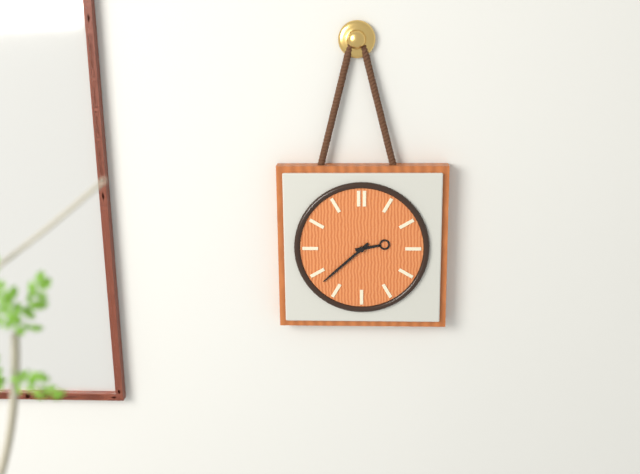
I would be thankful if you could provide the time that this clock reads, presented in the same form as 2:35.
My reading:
2:38
